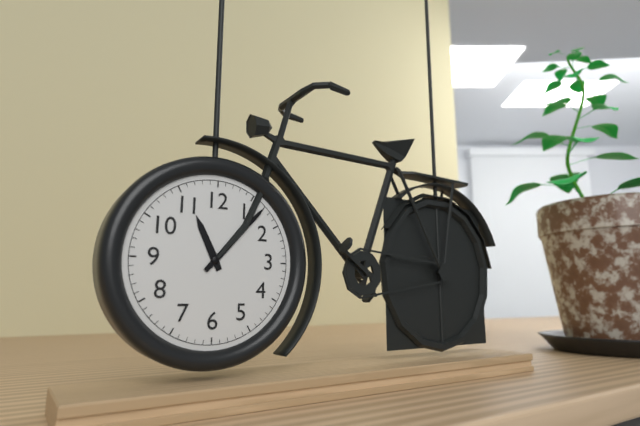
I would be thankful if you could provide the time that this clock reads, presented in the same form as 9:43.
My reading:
11:07
